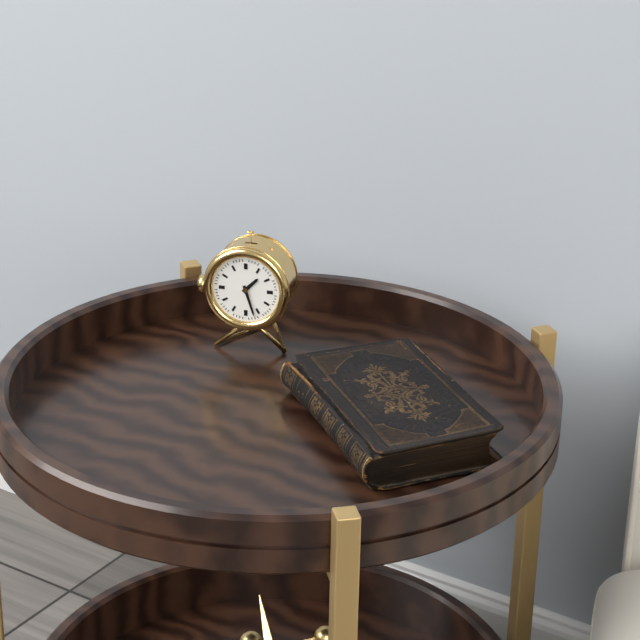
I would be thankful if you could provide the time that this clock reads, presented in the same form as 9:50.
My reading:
1:27
